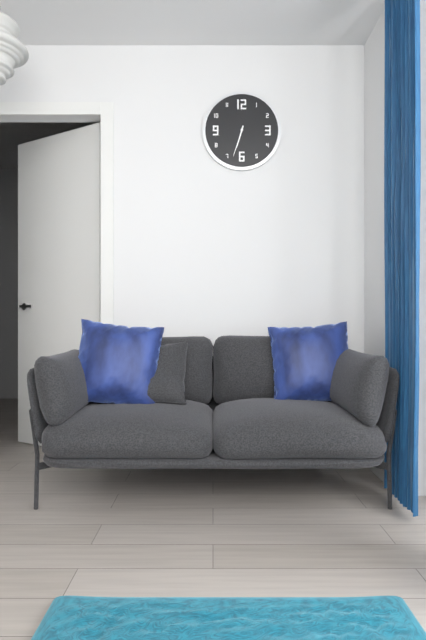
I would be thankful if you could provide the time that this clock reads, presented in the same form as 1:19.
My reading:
6:33
